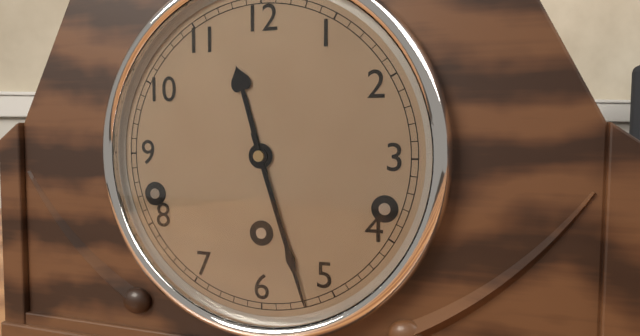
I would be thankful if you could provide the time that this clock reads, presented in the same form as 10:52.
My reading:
11:27
